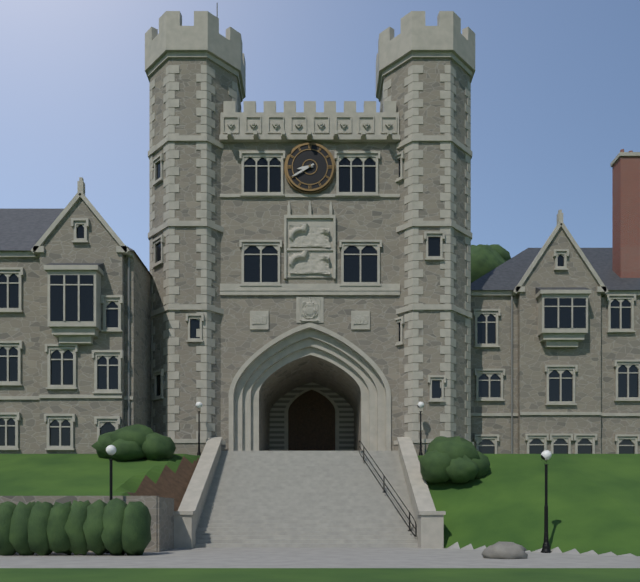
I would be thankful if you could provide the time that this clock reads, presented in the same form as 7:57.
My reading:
8:40
